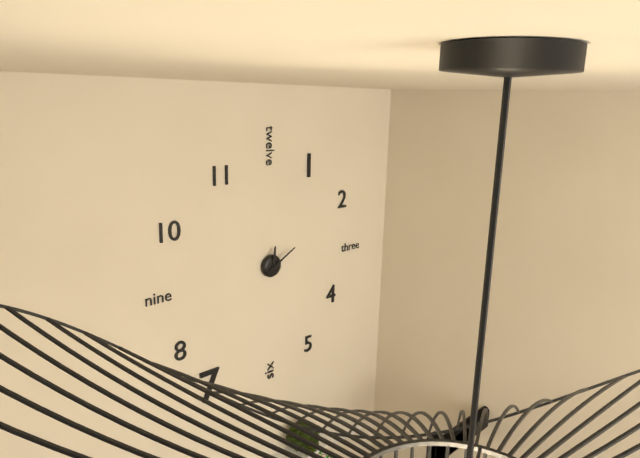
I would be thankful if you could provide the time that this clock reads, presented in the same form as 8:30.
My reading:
12:10
